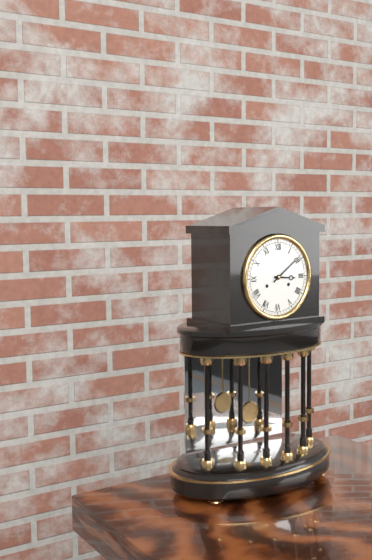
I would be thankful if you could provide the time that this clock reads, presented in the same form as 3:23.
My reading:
3:09
